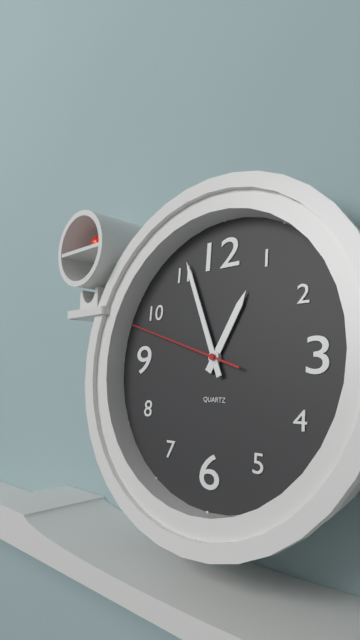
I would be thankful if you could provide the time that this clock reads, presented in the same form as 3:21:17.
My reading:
12:56:48
